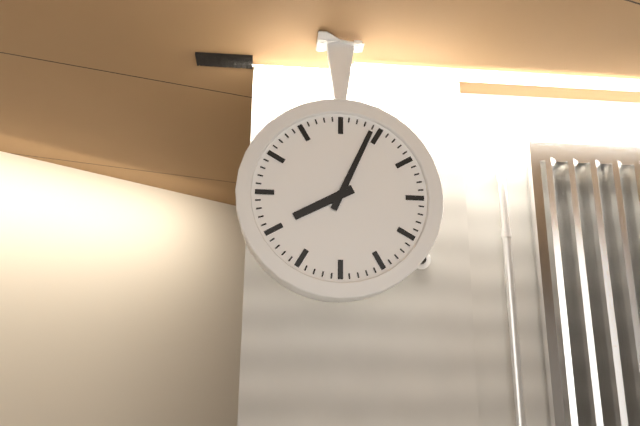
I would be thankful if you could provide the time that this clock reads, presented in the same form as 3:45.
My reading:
8:04
